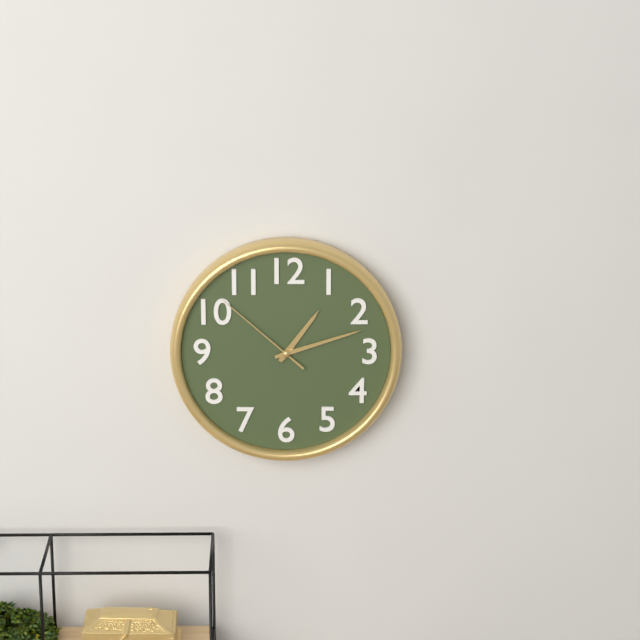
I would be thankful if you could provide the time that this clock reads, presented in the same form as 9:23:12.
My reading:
1:12:52
